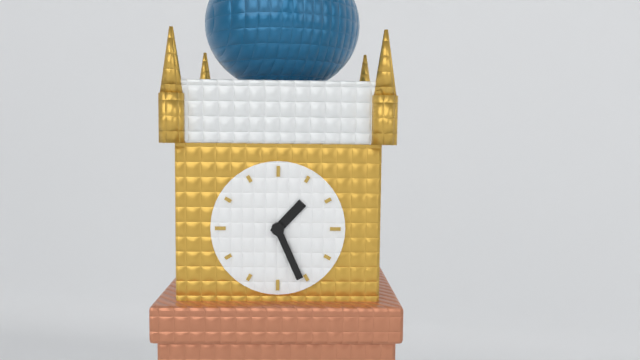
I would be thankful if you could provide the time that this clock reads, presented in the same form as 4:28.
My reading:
1:26
